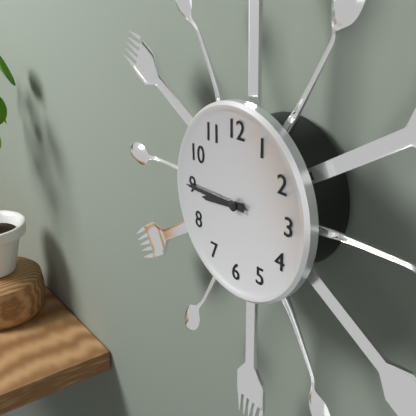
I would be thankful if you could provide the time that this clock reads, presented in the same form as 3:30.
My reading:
8:45
